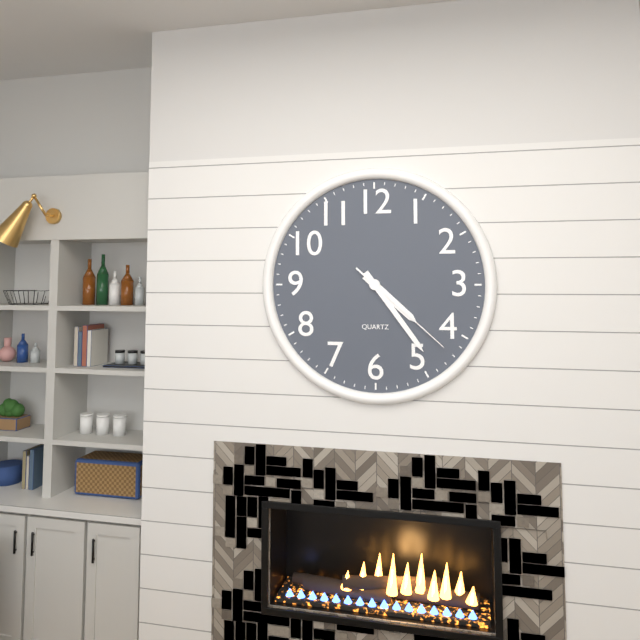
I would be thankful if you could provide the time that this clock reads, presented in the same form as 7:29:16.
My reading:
4:24:22
